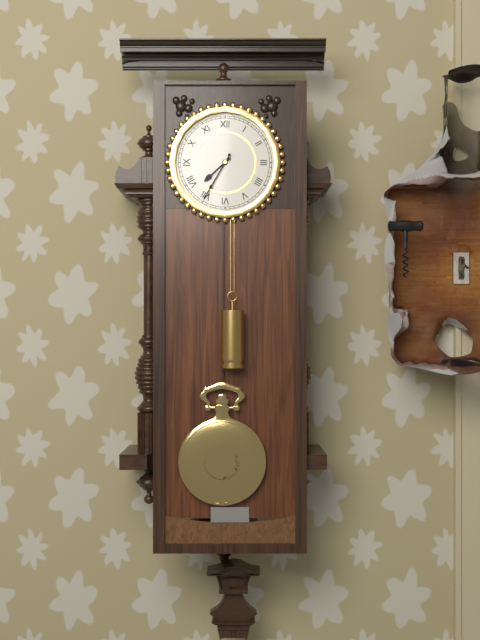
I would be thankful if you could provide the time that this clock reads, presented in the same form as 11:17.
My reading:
7:35
